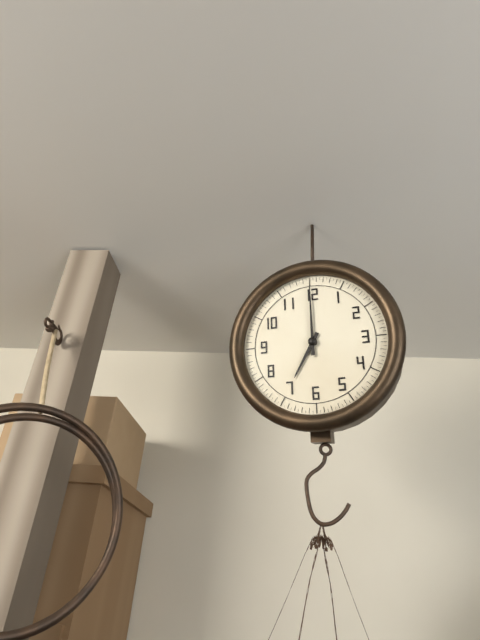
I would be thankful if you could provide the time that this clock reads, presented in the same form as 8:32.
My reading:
7:00
